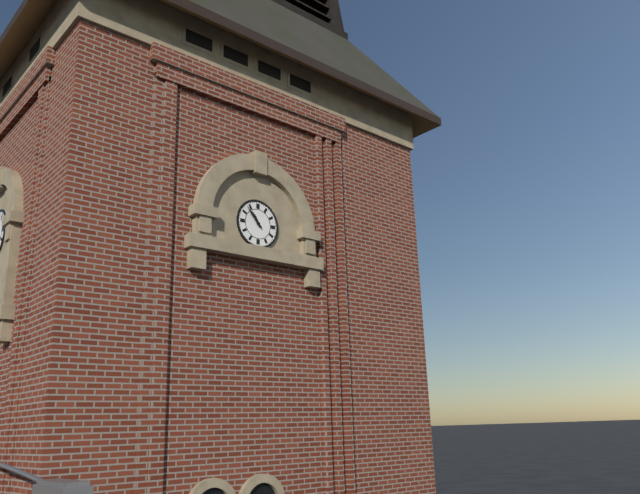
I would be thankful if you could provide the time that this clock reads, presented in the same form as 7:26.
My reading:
10:53
